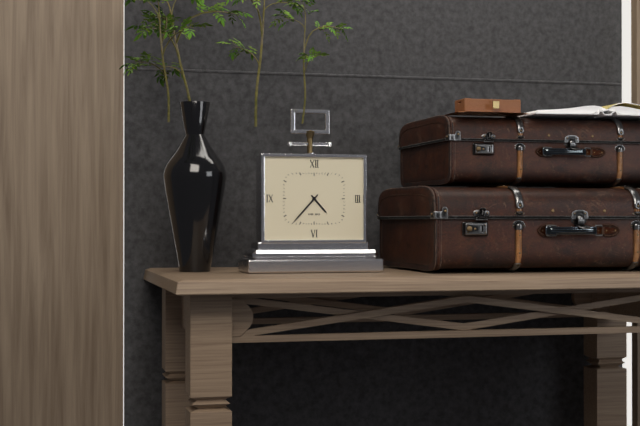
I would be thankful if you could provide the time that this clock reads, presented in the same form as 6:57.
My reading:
4:37
